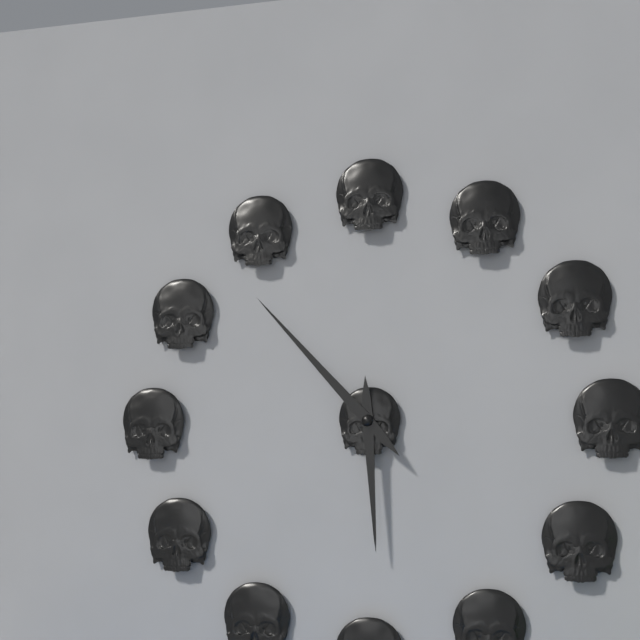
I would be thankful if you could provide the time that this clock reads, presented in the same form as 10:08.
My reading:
5:53
